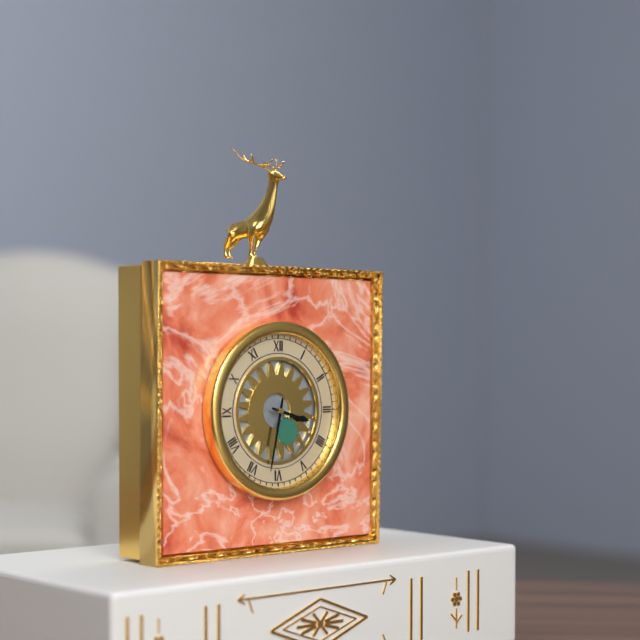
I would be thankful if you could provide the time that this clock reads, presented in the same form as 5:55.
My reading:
3:32
